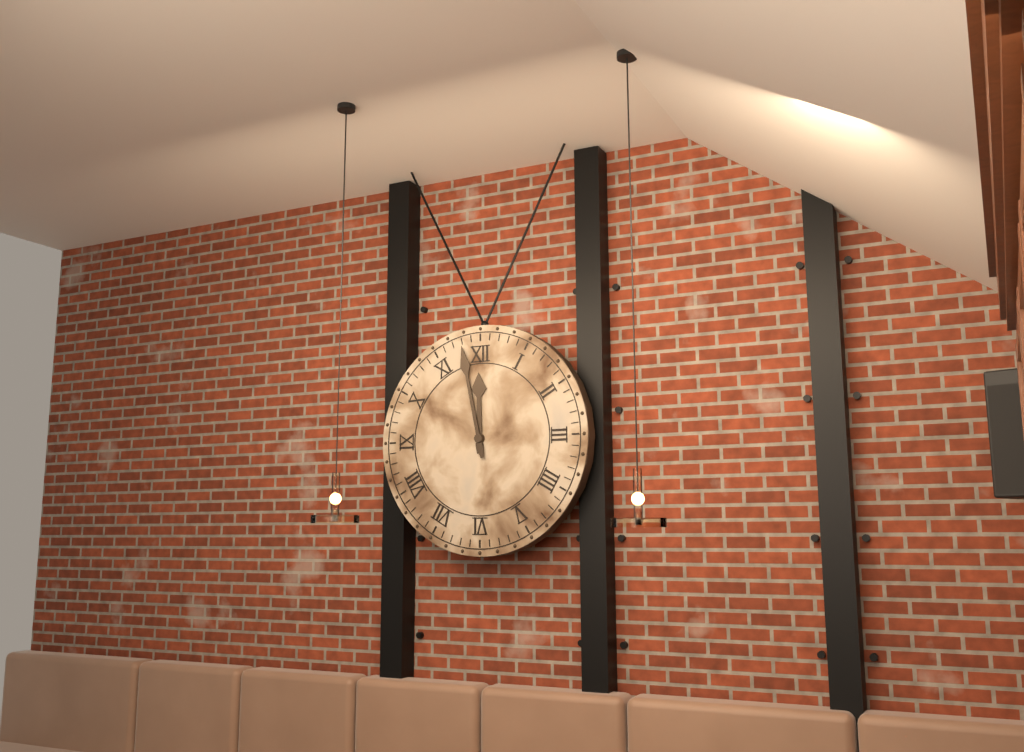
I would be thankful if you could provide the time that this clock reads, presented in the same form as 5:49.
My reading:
11:58
